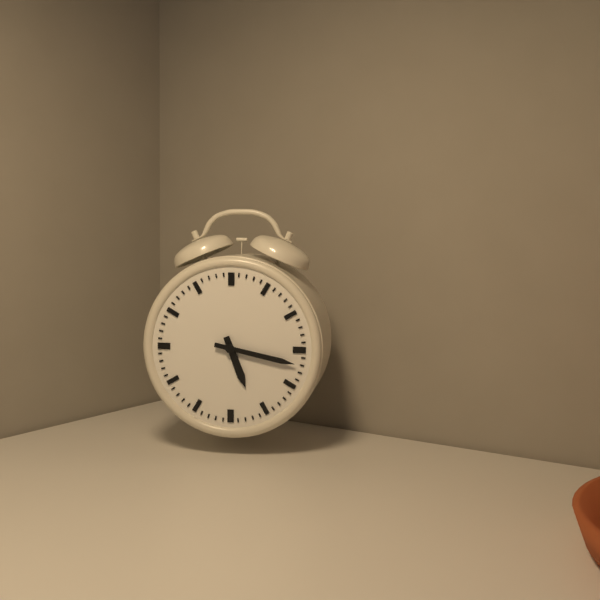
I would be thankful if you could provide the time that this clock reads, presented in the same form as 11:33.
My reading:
5:17
